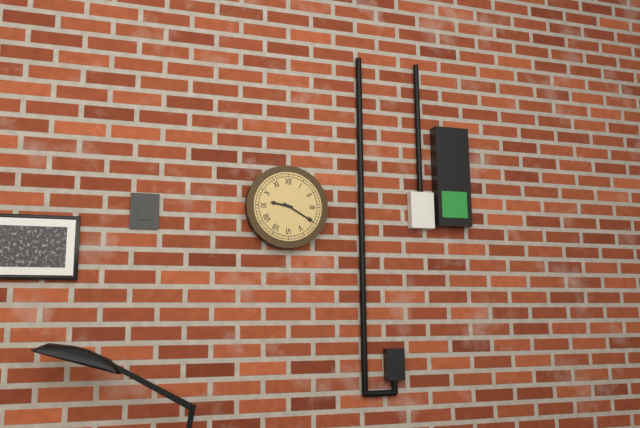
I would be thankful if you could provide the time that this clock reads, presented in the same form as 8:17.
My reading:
9:20
